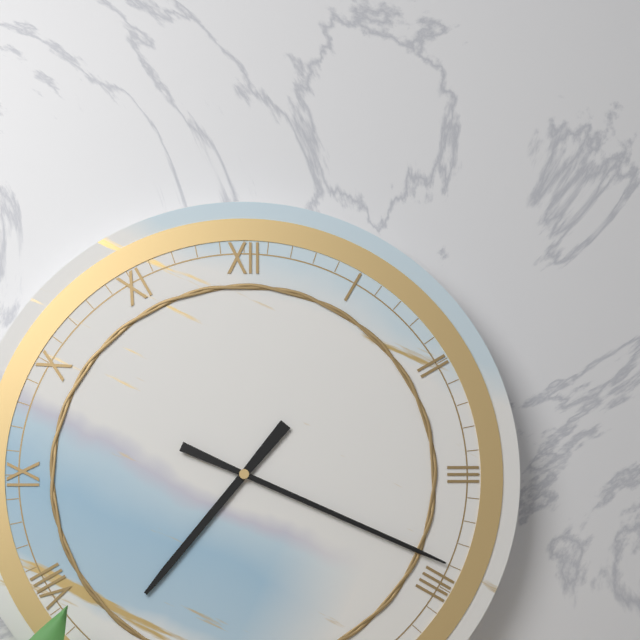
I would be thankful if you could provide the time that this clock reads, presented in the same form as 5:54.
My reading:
7:19
